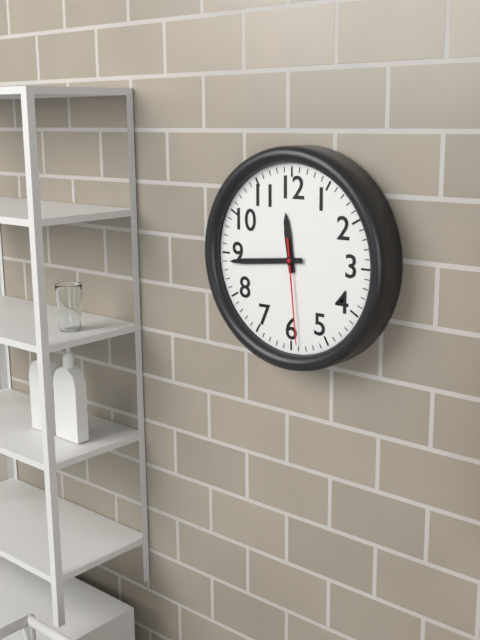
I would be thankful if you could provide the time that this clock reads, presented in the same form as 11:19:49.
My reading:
11:44:29
